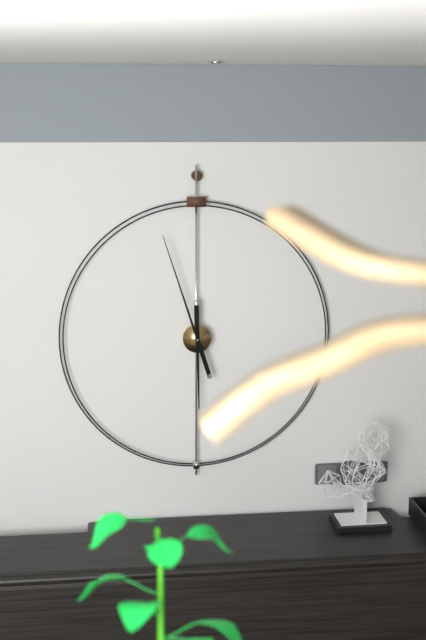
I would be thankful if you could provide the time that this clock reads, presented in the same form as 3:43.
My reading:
5:57
